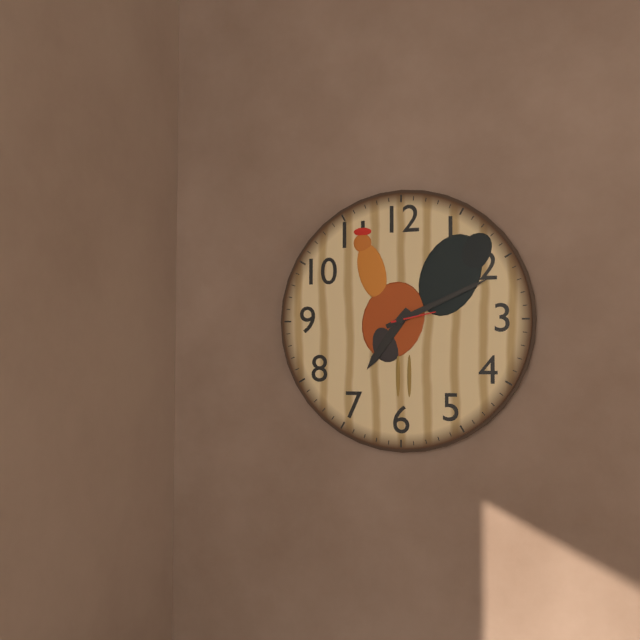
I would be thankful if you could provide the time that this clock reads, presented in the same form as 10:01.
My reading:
7:11
